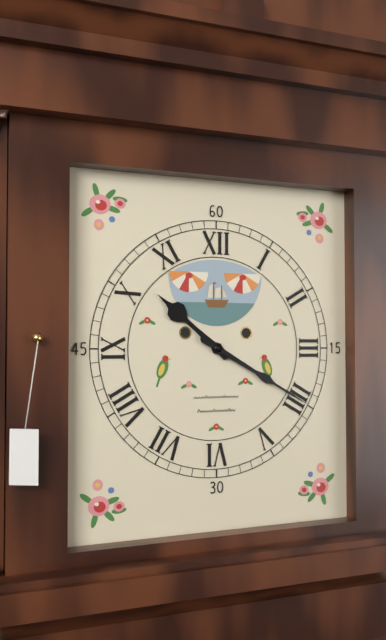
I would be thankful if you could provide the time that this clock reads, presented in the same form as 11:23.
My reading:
10:20
